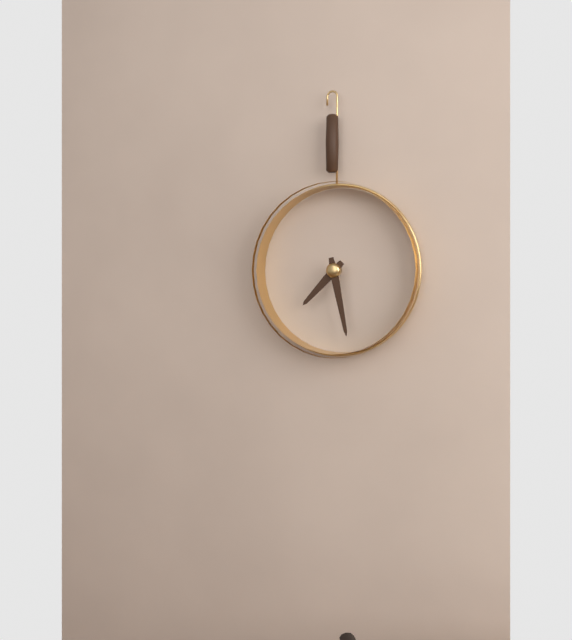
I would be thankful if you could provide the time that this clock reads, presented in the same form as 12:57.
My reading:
7:28
